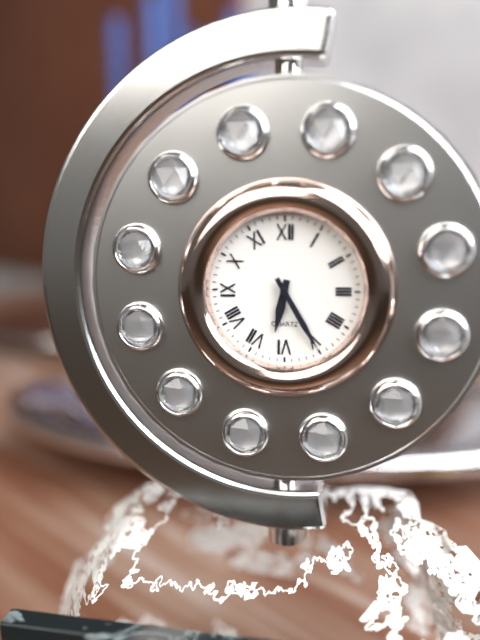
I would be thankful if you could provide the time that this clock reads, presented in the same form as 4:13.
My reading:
6:25
